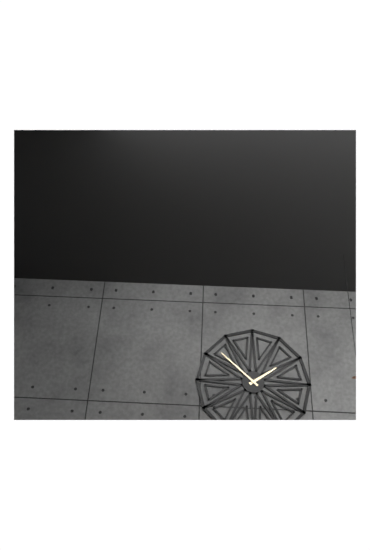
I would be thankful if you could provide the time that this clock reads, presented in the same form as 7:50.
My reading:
1:52
